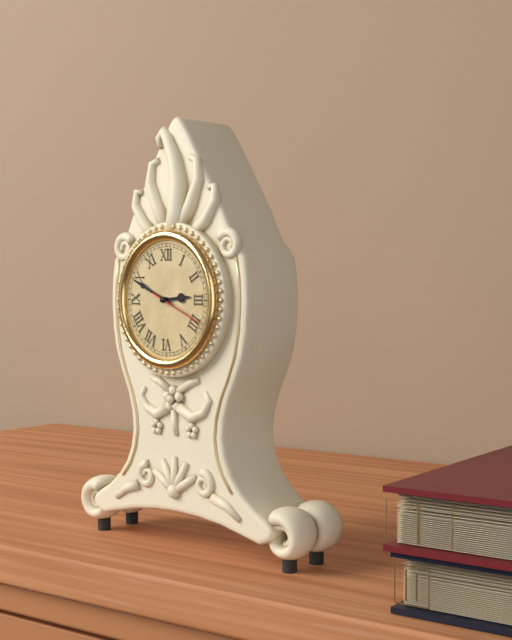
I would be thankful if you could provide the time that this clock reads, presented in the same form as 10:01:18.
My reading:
2:49:19
